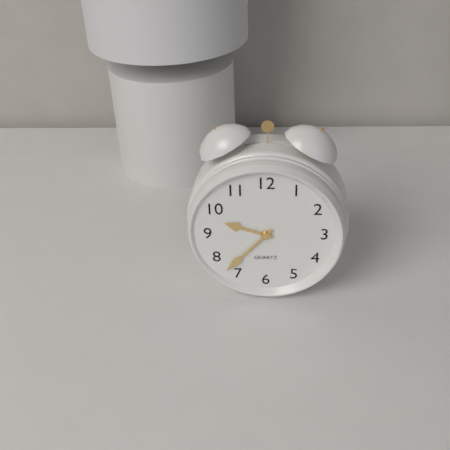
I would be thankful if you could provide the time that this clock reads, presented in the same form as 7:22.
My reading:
9:37
